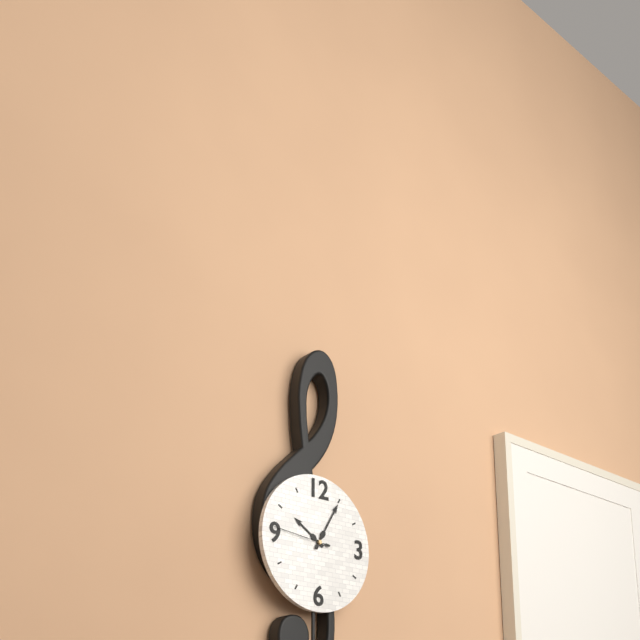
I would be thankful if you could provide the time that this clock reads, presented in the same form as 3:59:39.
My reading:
10:05:46
